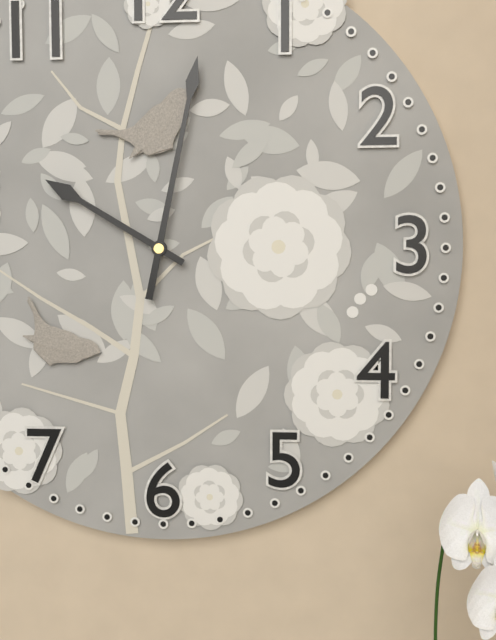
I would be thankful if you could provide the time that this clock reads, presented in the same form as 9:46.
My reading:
10:02
